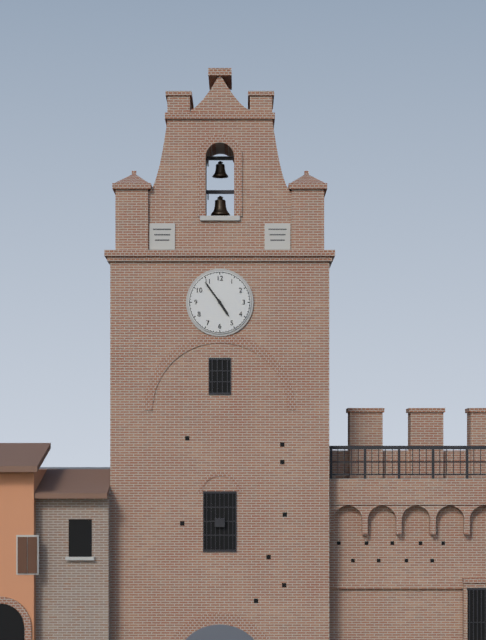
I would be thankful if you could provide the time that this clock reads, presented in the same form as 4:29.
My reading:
4:54
